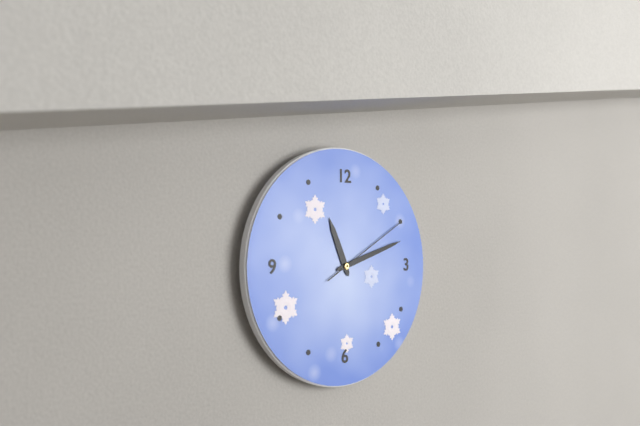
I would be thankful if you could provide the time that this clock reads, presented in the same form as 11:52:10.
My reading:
11:12:10
